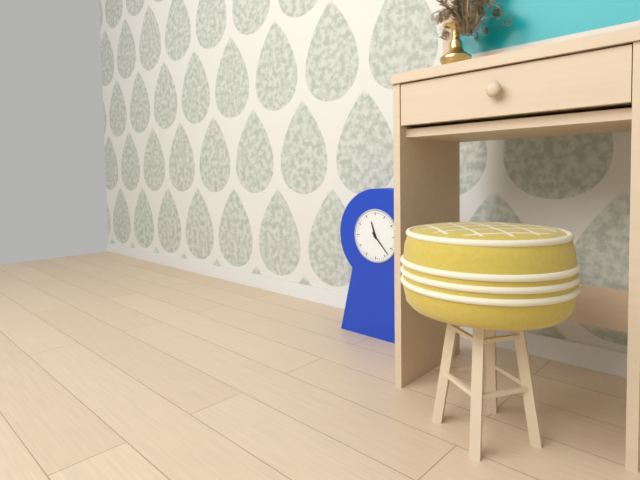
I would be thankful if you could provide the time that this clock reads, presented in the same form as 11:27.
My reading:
11:23
